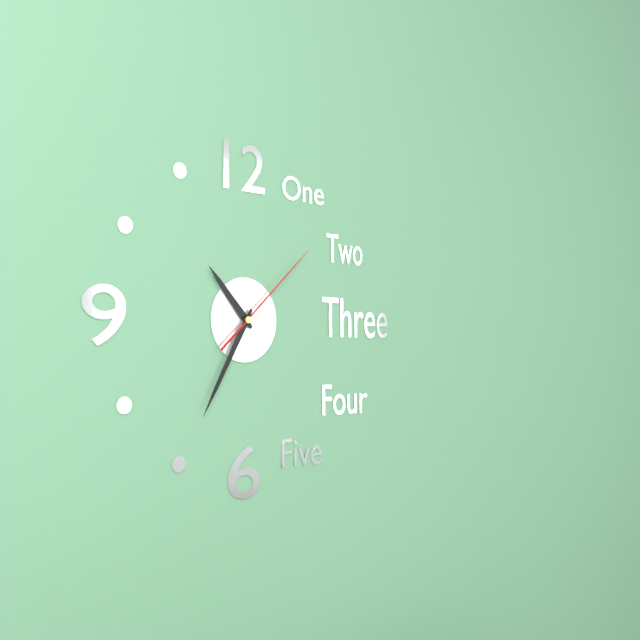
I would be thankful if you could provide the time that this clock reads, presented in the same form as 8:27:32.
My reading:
10:35:08
